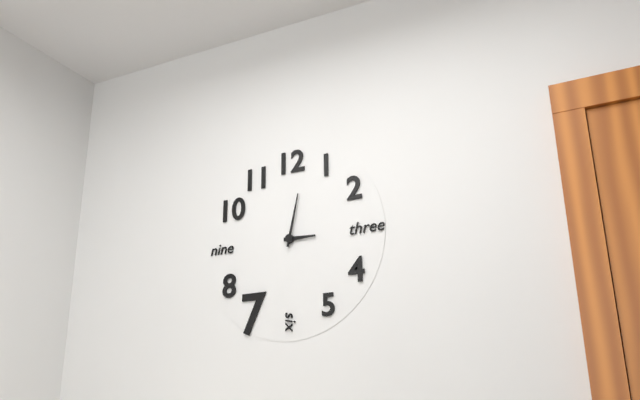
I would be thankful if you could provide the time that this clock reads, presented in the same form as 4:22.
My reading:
3:02
